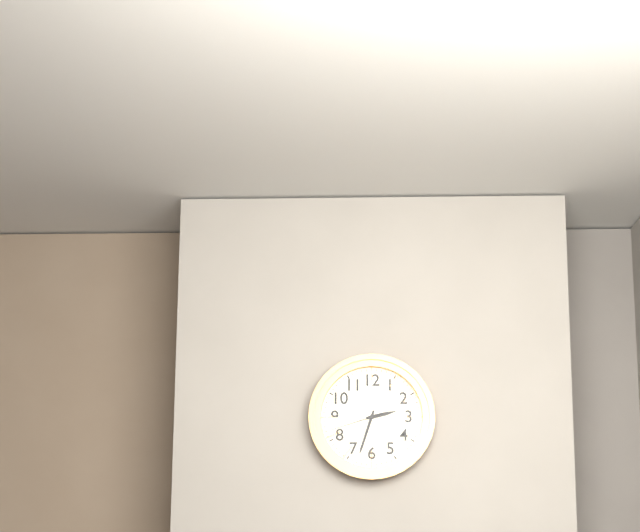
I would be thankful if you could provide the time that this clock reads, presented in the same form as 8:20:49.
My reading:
2:33:42
